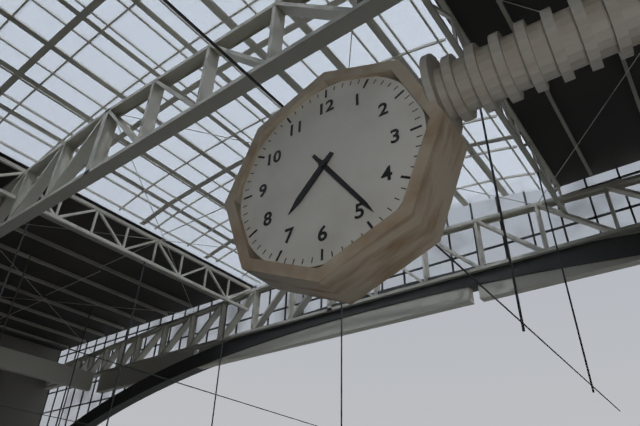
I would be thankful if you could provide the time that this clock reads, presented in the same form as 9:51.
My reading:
7:24
